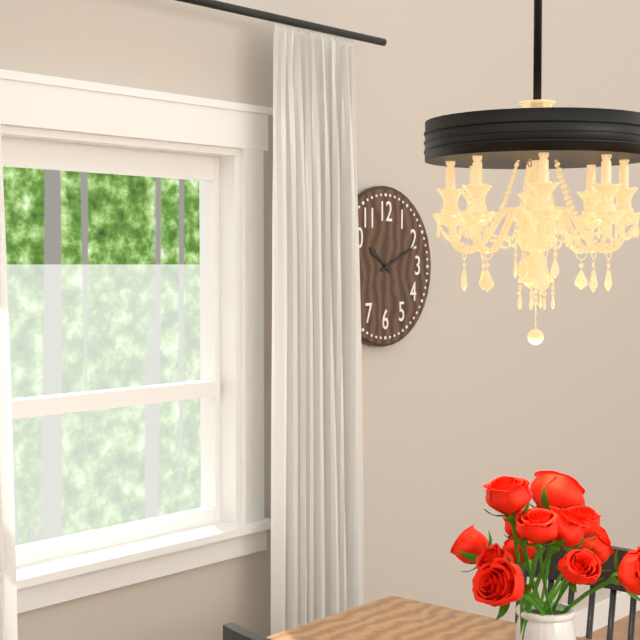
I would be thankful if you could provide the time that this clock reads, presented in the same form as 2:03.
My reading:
10:11
